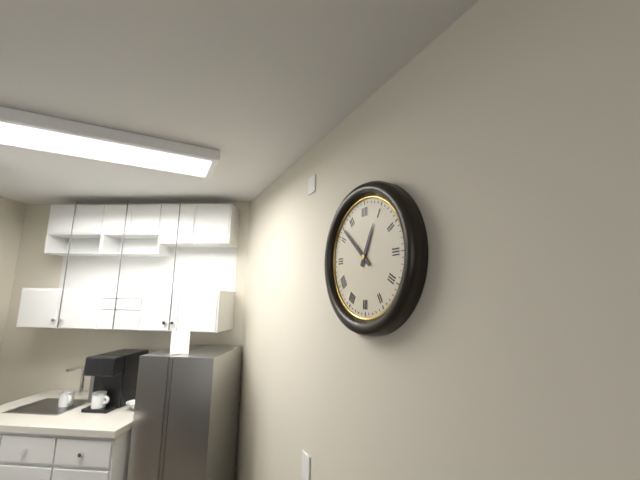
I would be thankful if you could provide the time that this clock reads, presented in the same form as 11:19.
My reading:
12:52
